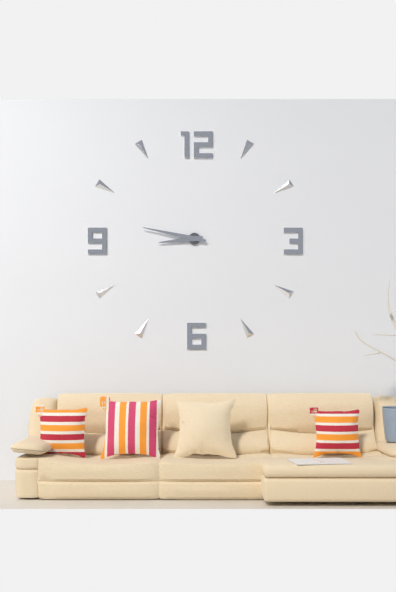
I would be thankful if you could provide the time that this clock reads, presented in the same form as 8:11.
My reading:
8:47
